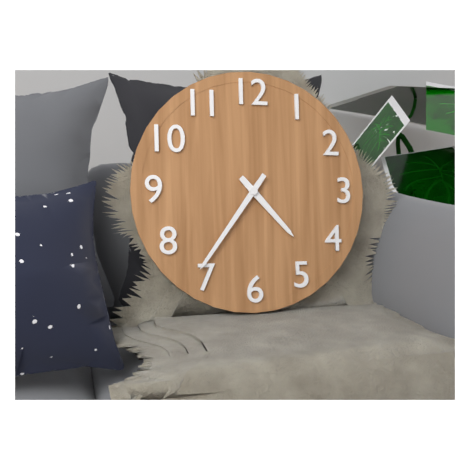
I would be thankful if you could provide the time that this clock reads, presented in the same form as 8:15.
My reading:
4:36
